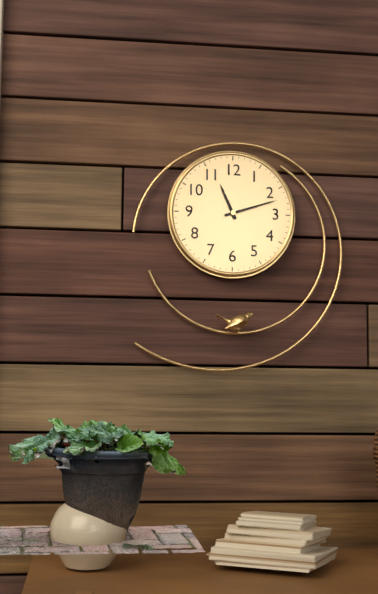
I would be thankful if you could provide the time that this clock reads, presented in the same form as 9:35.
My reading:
11:12
